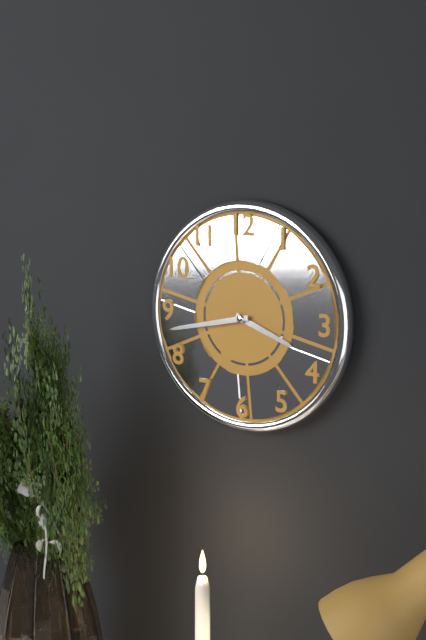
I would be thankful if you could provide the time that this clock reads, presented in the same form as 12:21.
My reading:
3:43
